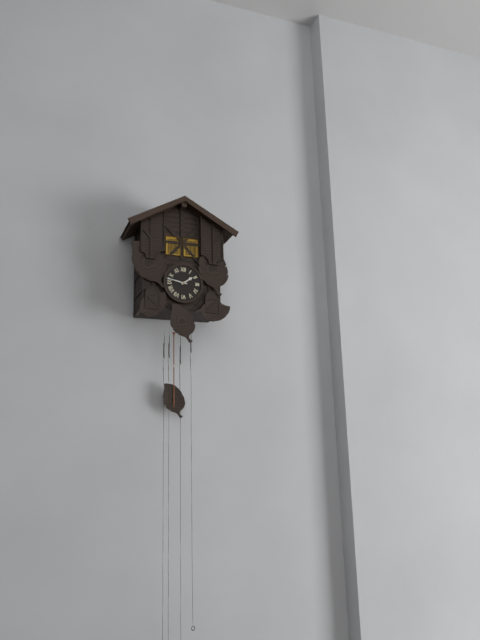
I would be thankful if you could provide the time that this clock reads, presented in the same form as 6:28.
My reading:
1:47
